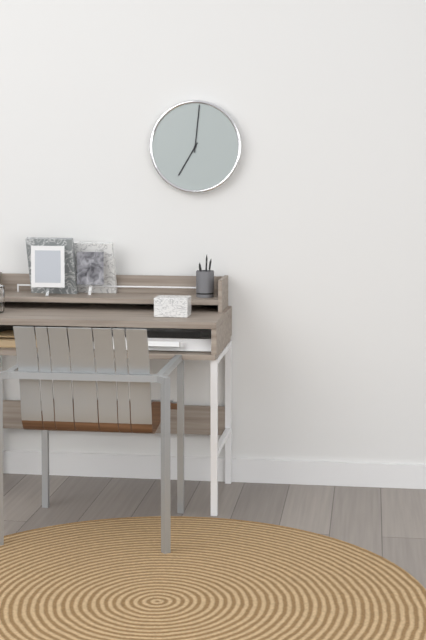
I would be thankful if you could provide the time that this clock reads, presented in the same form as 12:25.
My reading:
7:01
